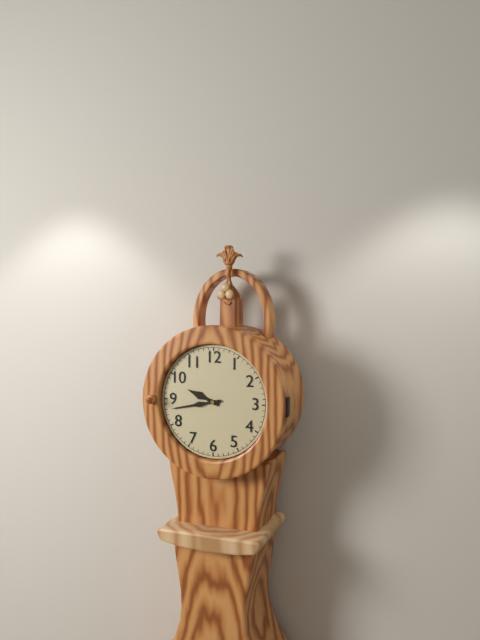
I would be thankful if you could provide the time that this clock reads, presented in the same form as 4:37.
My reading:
9:43
